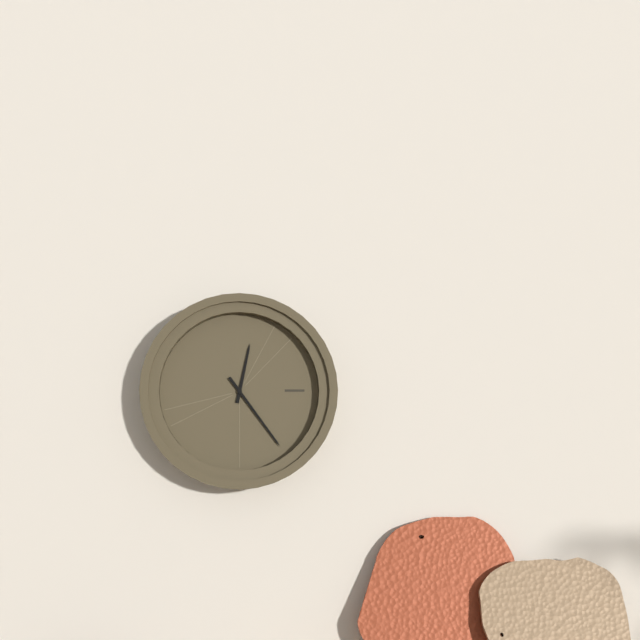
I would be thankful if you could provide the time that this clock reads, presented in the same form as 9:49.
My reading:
12:24
